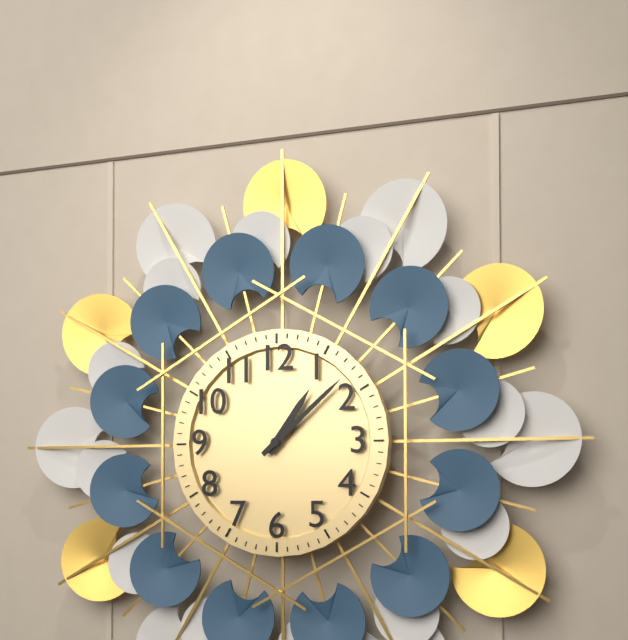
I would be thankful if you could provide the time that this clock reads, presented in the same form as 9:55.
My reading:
1:08
